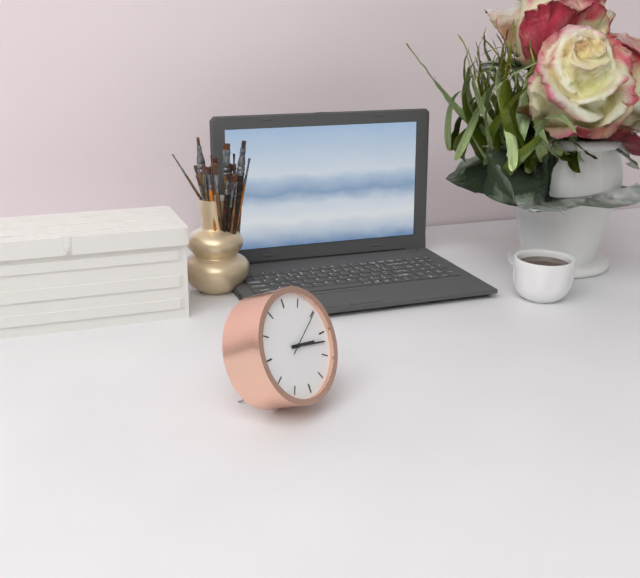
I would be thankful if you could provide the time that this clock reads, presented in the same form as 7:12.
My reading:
3:17
